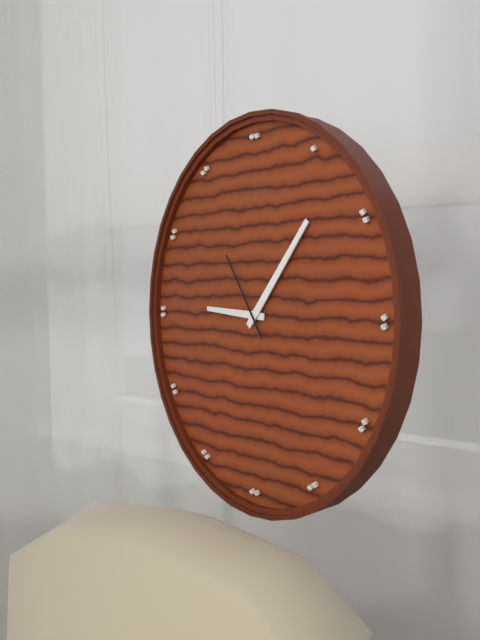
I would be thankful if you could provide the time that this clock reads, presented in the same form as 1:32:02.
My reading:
9:07:54
